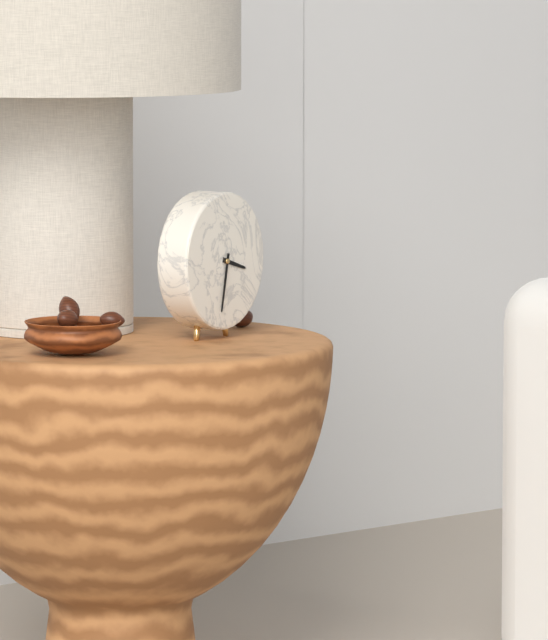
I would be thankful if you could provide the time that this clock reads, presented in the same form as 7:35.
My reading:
3:32
